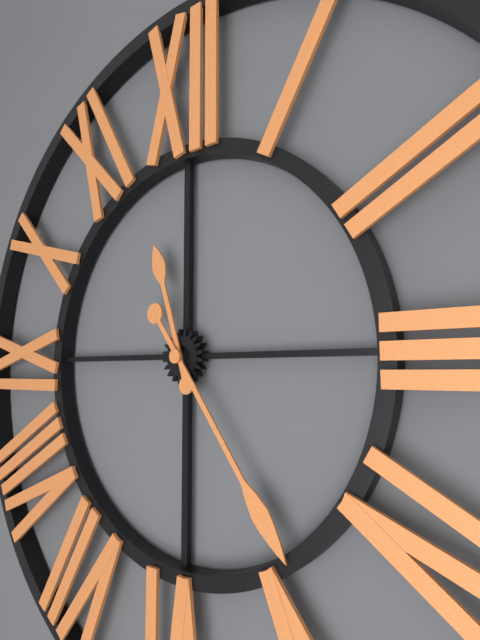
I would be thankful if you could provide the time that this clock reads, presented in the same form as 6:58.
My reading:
11:24
